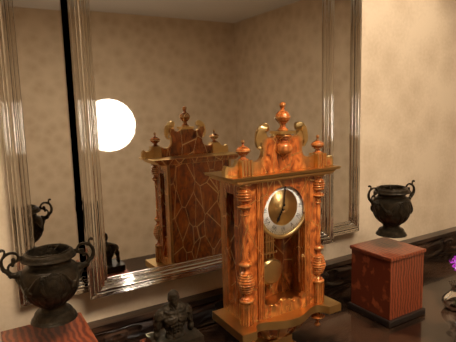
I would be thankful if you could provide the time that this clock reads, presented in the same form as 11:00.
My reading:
7:01
